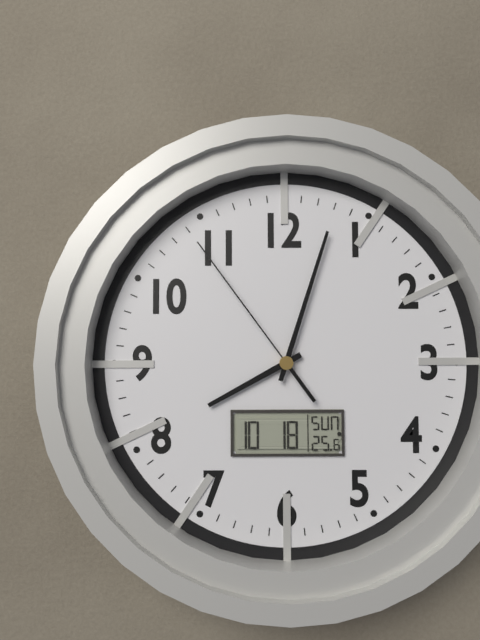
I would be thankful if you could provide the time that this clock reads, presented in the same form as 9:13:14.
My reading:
8:03:54
